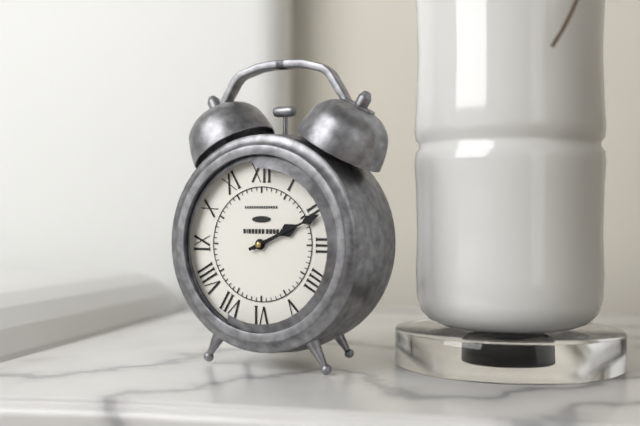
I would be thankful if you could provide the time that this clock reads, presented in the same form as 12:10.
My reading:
2:11
